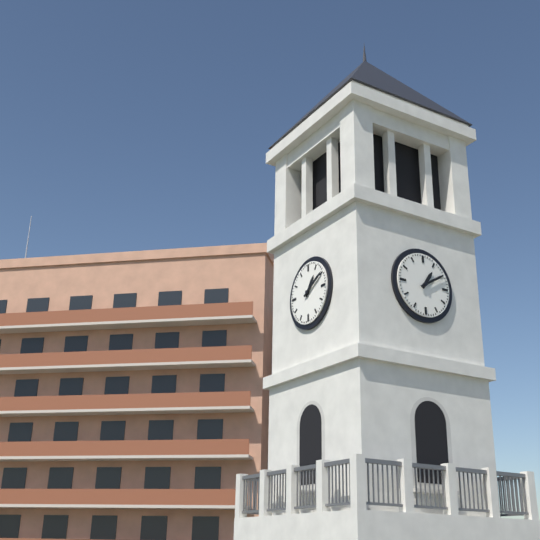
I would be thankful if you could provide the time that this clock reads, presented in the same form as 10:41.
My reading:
1:10
